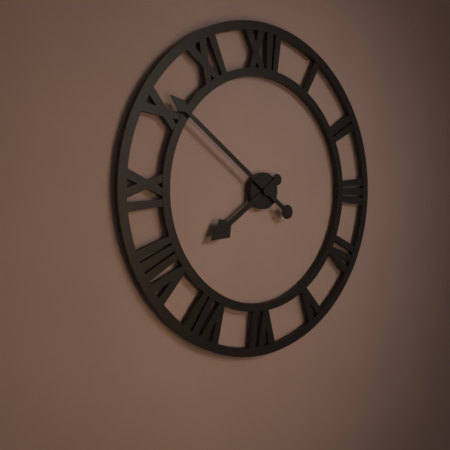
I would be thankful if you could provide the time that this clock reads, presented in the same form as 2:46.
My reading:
7:51
